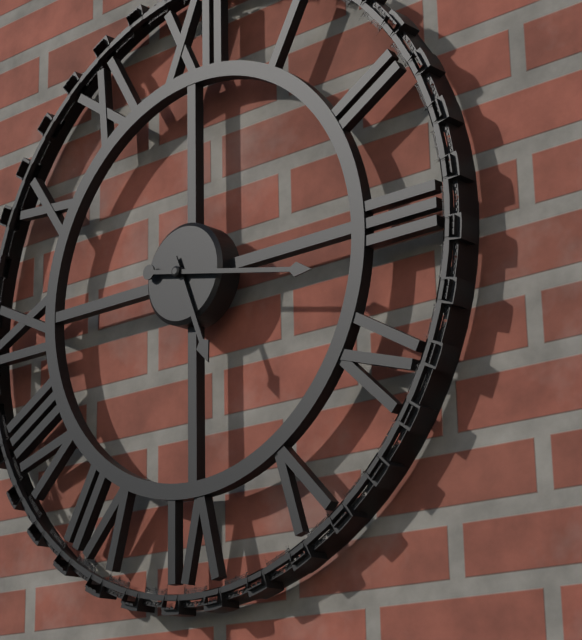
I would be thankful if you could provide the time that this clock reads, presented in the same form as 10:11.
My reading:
5:17
